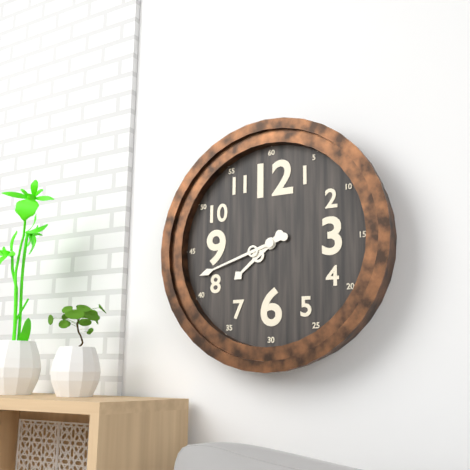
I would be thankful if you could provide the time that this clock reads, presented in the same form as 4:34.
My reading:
7:42
